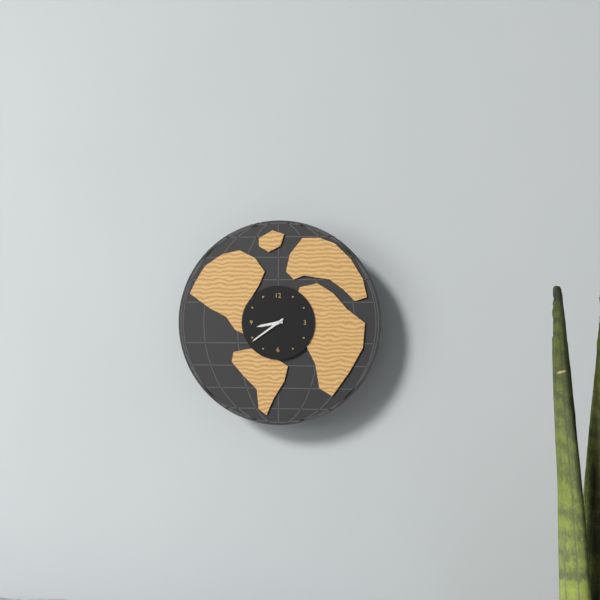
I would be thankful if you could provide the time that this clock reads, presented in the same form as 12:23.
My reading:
8:39
